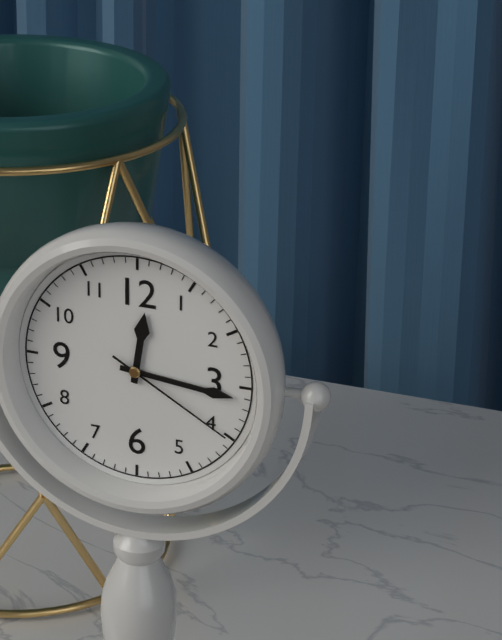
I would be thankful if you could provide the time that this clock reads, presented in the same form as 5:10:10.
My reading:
12:16:20
